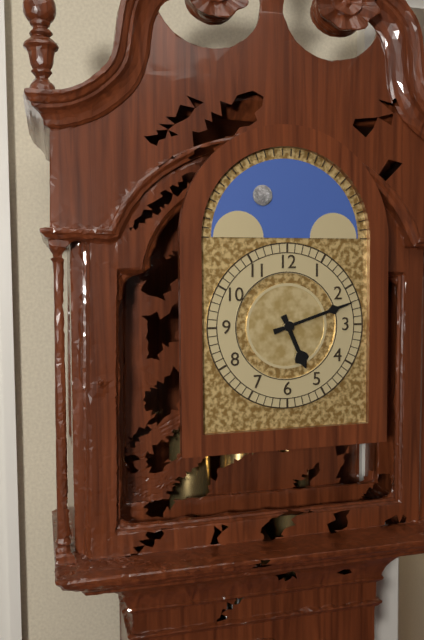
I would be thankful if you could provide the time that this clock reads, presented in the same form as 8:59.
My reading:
5:12
